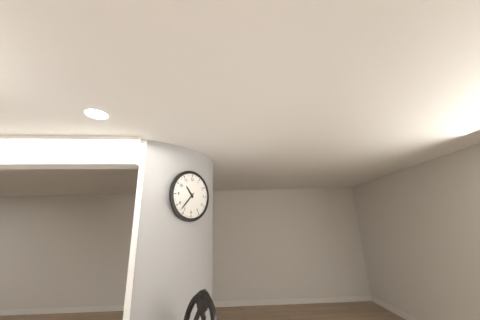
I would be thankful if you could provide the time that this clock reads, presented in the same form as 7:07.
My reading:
10:37
